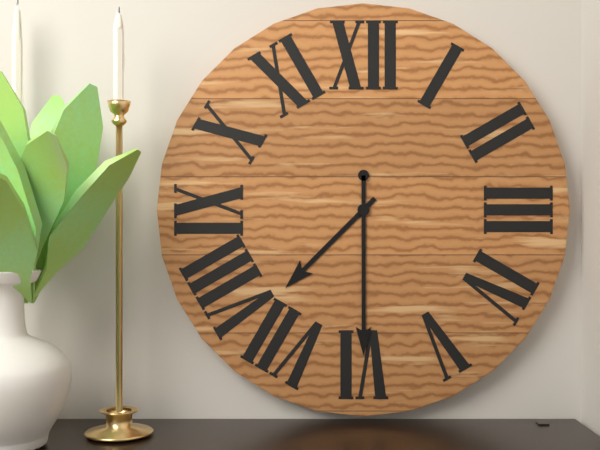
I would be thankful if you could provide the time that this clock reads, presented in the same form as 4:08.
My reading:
7:30
